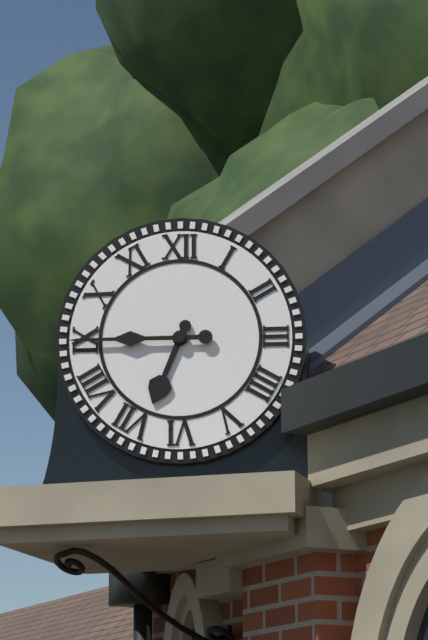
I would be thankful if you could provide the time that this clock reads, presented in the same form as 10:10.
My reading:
6:45
